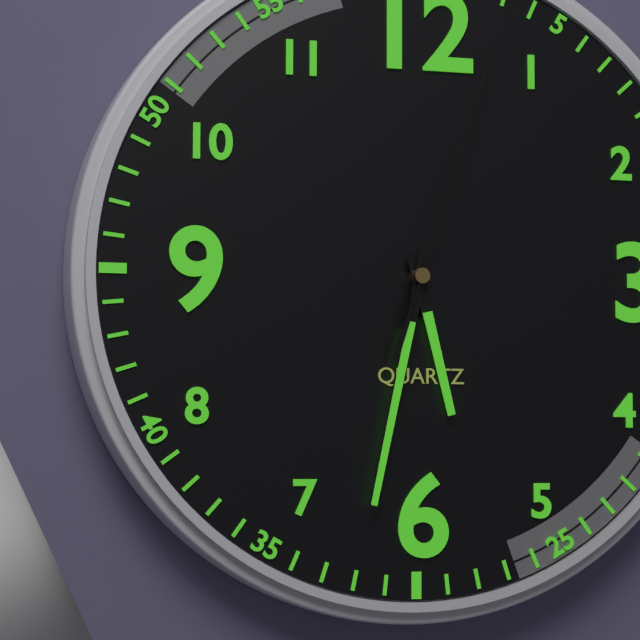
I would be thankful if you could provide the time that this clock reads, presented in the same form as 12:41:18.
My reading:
5:32:03
